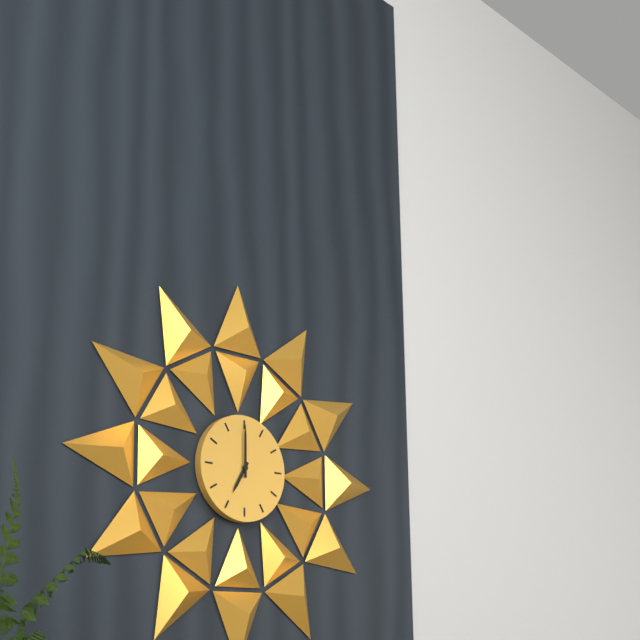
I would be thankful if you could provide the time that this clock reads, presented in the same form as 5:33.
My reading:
7:00
